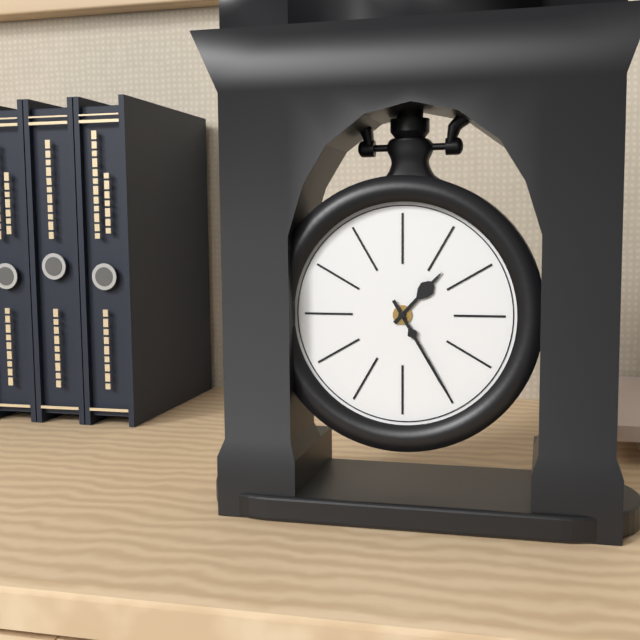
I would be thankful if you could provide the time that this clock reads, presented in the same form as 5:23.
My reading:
1:25
